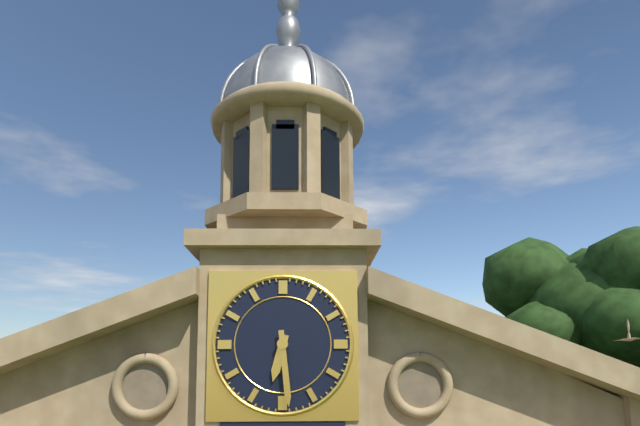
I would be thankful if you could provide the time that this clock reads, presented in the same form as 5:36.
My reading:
6:29
